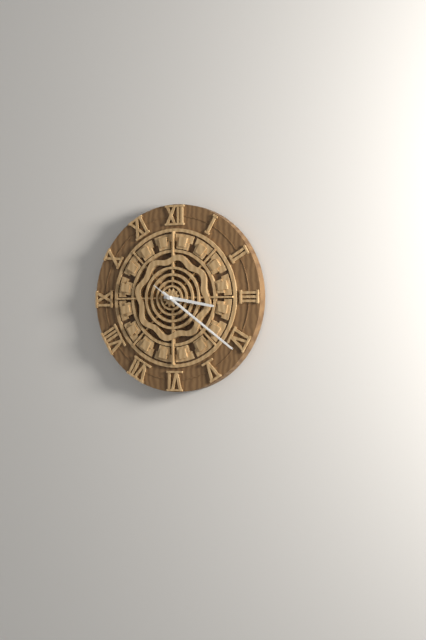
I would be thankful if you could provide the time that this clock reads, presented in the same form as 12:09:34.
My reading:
3:21:21
